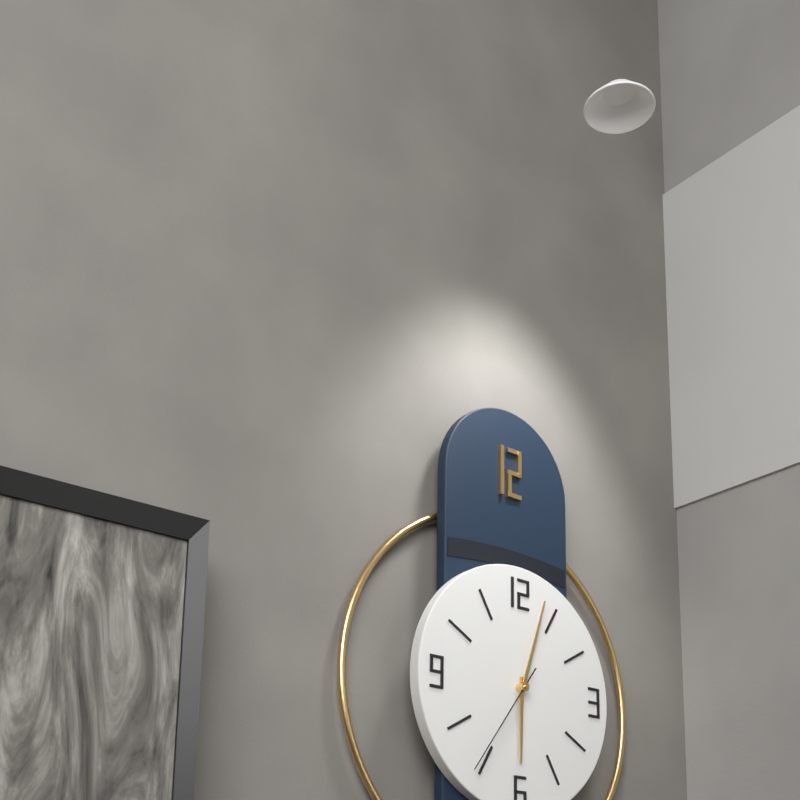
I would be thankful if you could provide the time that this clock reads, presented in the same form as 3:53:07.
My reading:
6:03:36
